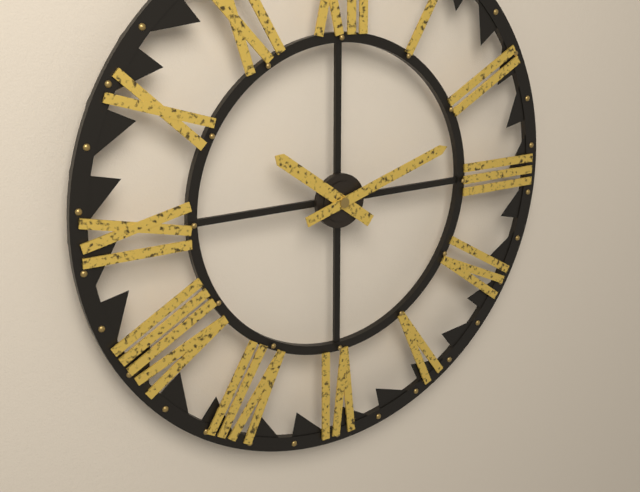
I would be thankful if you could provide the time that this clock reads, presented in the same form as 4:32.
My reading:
10:12
